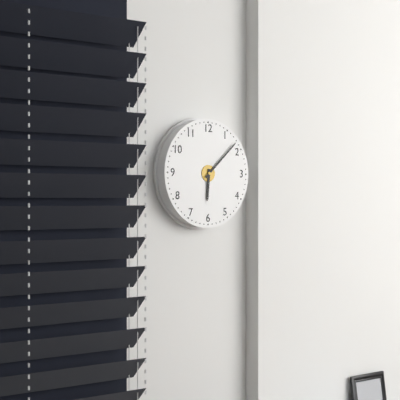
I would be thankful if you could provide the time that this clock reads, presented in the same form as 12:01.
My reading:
6:08
